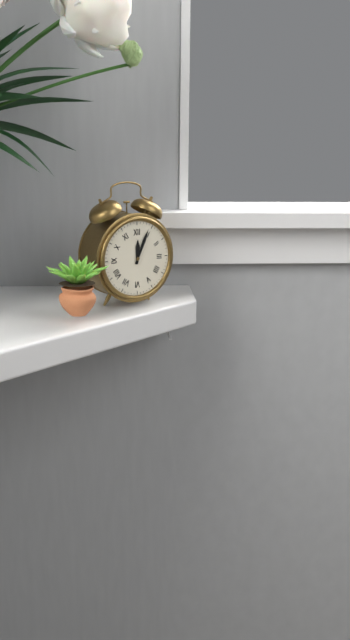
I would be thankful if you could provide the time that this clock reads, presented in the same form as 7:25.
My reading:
12:04
